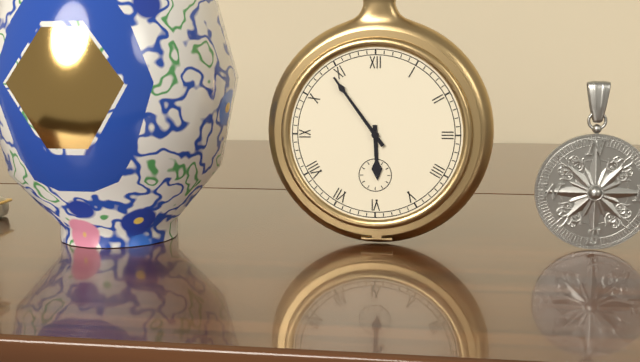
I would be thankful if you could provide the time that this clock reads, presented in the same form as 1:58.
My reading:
5:54
